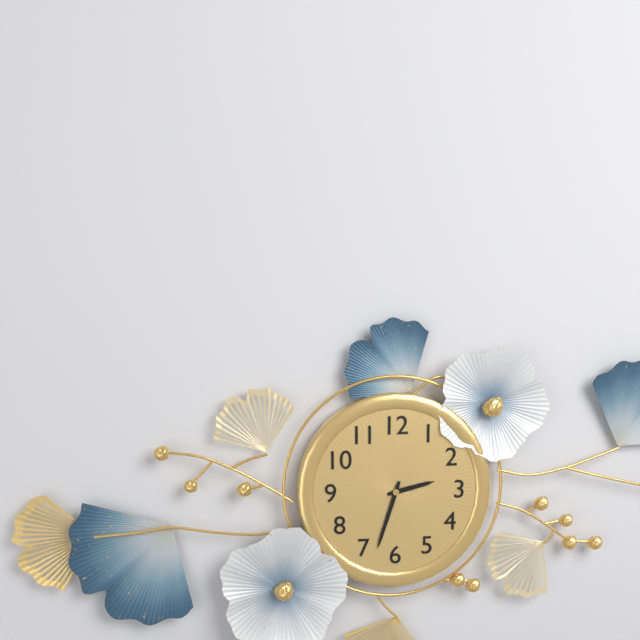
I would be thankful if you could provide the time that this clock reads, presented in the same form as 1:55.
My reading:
2:33
